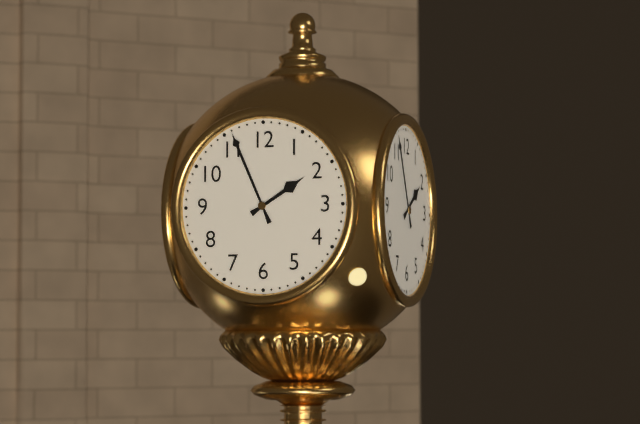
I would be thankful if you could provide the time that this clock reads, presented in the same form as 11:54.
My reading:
1:56
